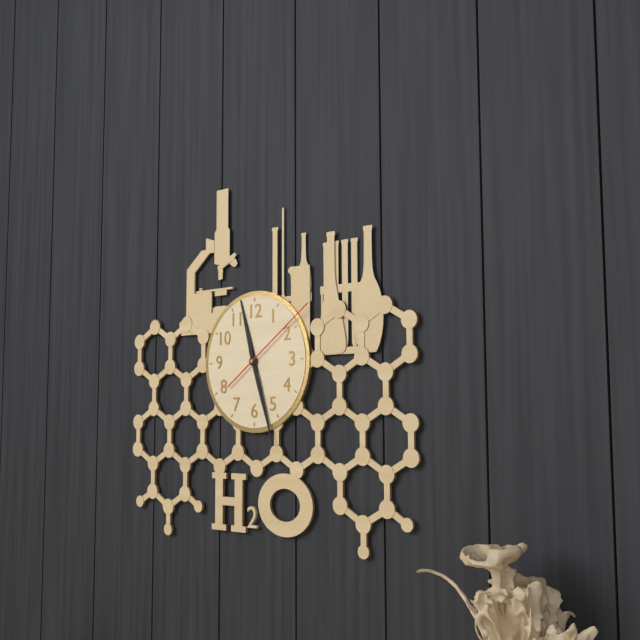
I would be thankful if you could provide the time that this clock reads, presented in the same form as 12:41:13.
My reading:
11:27:09
